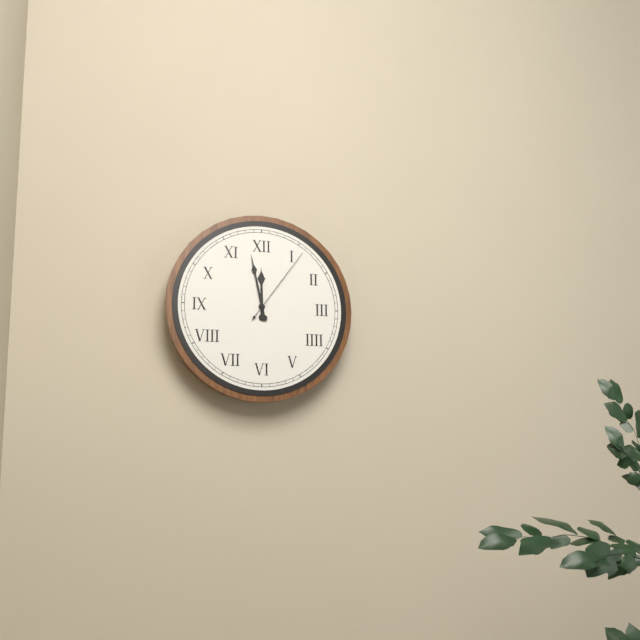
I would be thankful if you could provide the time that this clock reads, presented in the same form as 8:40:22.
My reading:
11:58:06
